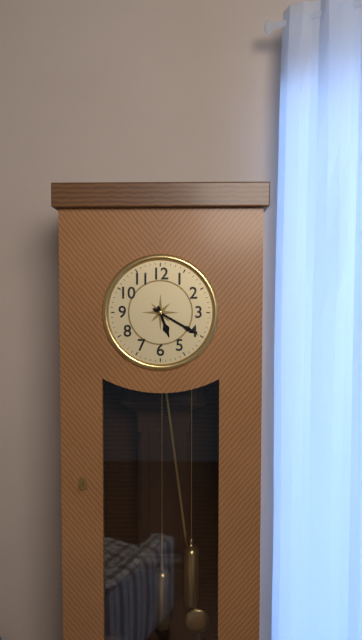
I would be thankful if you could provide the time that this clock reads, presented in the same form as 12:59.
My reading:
5:20
